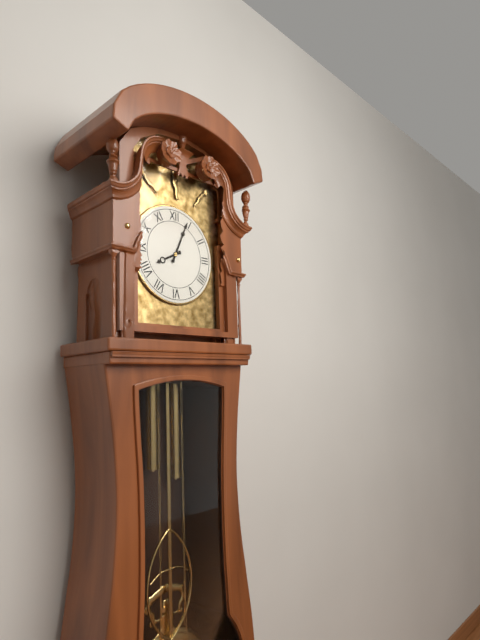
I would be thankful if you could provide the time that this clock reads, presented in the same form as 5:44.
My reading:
8:04
